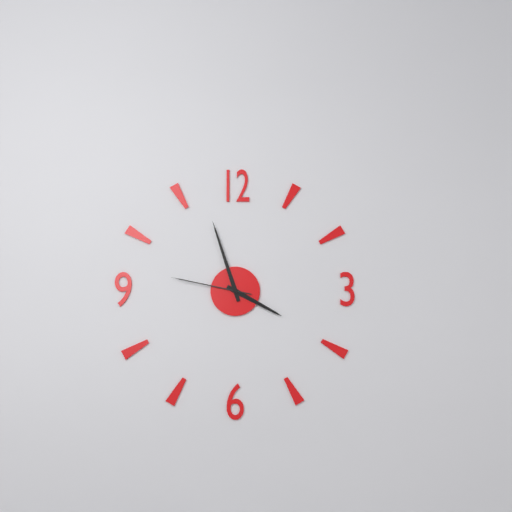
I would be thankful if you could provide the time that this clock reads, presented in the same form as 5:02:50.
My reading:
3:57:47
